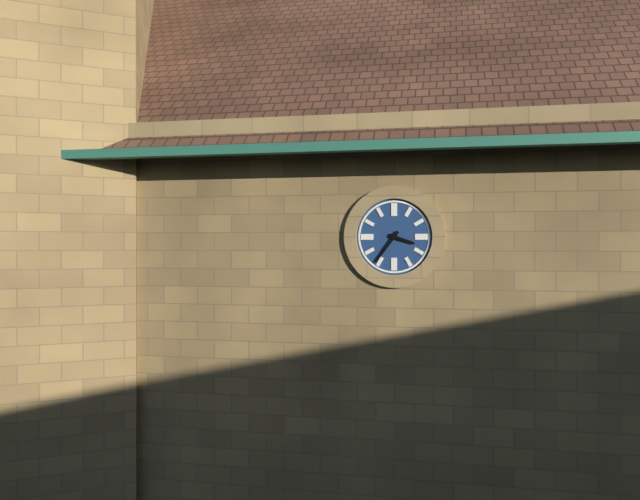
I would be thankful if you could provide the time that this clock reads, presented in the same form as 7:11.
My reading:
3:36
